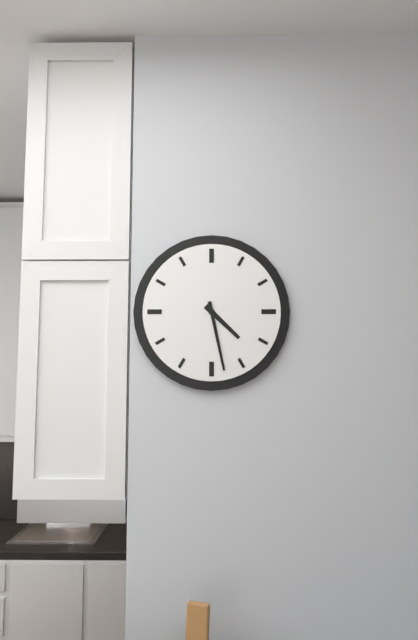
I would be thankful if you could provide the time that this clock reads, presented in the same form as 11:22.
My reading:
4:28
